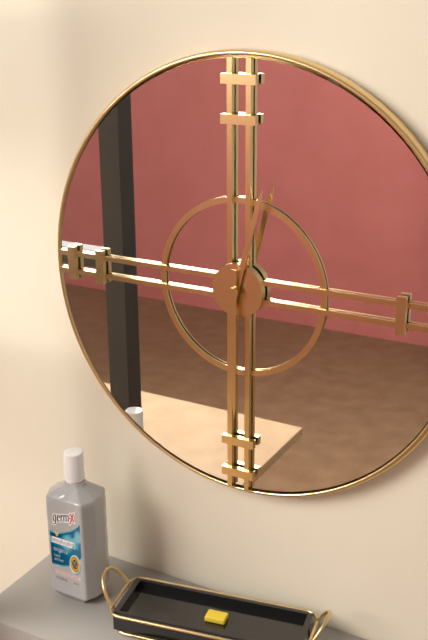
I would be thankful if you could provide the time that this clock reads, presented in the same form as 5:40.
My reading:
12:30
